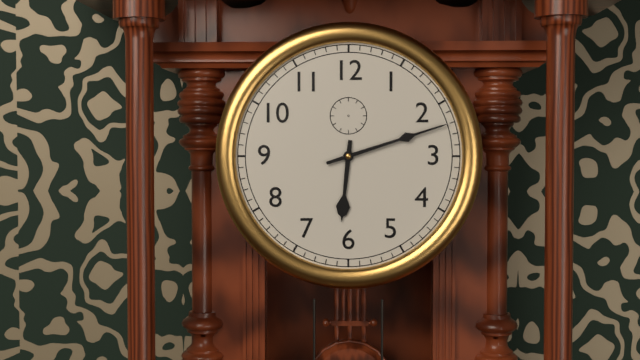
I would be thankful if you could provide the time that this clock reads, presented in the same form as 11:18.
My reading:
6:12
